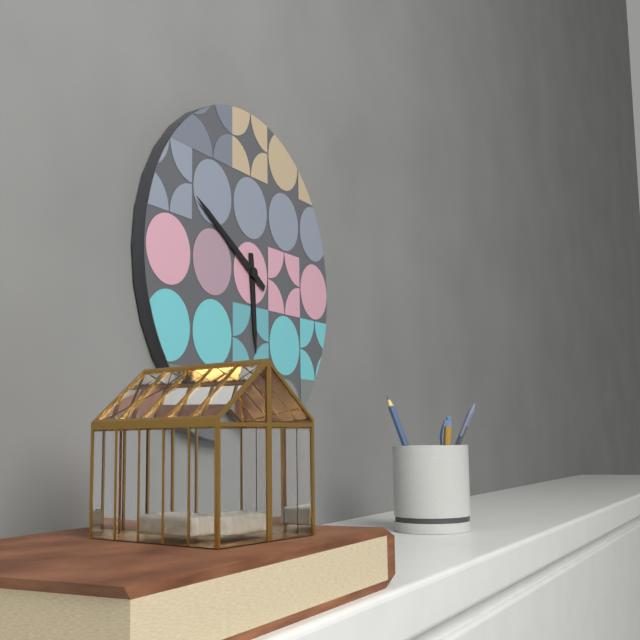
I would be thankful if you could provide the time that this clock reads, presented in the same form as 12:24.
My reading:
5:50
